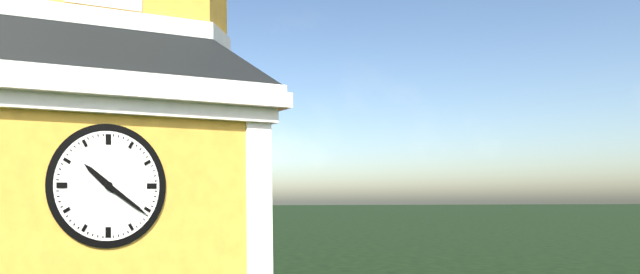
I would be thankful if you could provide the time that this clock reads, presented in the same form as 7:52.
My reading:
10:21
